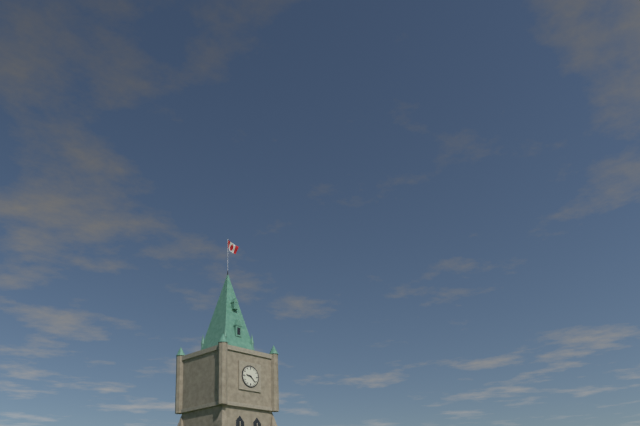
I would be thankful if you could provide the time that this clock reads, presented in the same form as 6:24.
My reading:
9:22
